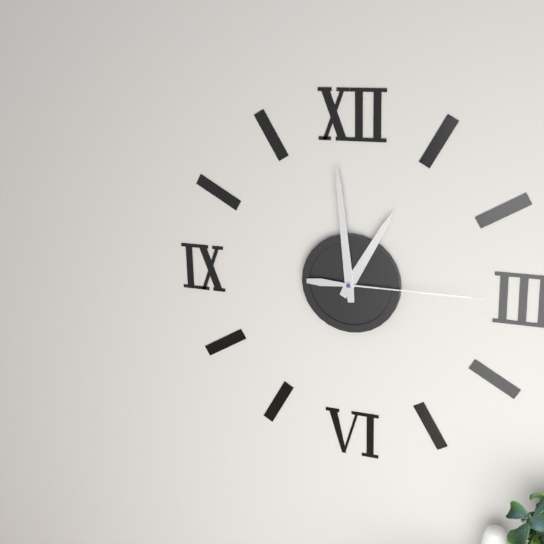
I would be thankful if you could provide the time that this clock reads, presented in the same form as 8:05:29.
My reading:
12:59:15
